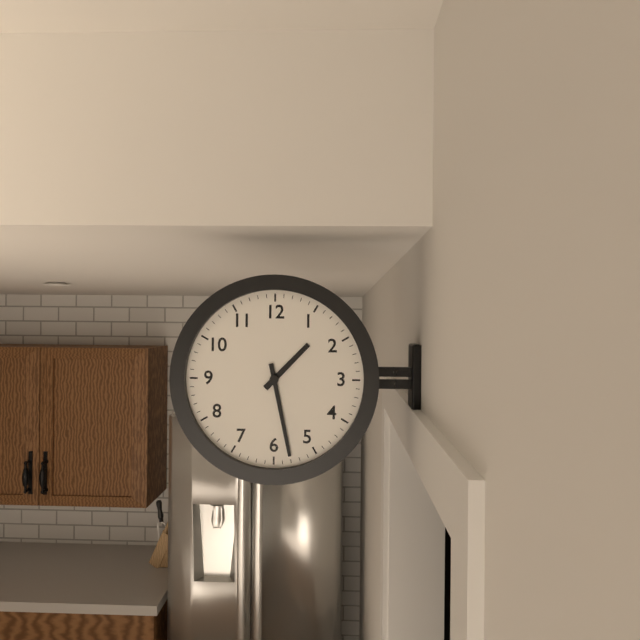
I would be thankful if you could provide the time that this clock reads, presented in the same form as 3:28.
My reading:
1:28
